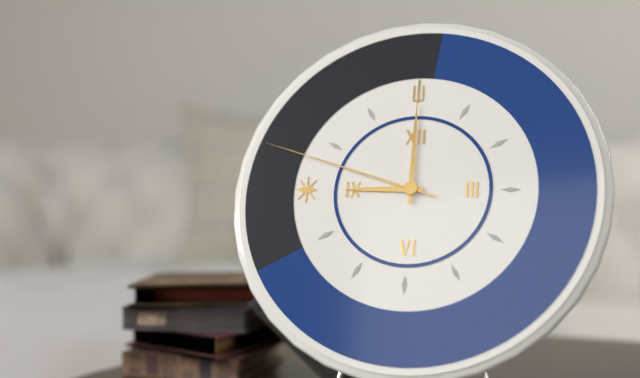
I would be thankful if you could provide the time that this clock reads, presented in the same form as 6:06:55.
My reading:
9:00:48
